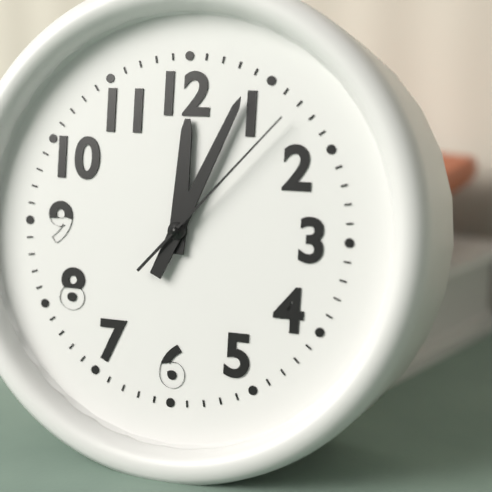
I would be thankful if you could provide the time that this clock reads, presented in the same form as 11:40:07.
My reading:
12:04:07
